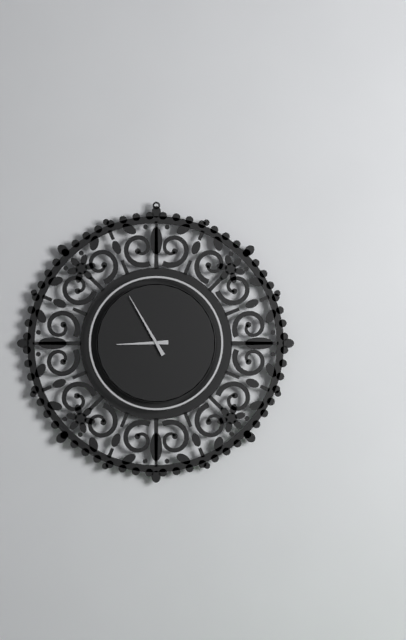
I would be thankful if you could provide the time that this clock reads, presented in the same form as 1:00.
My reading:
8:55
